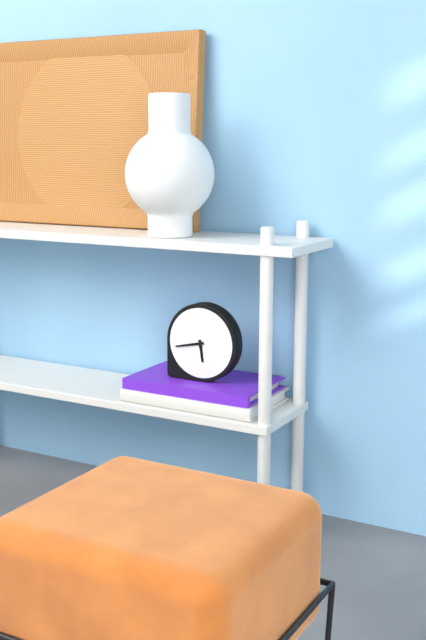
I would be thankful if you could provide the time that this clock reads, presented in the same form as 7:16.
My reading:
5:43
